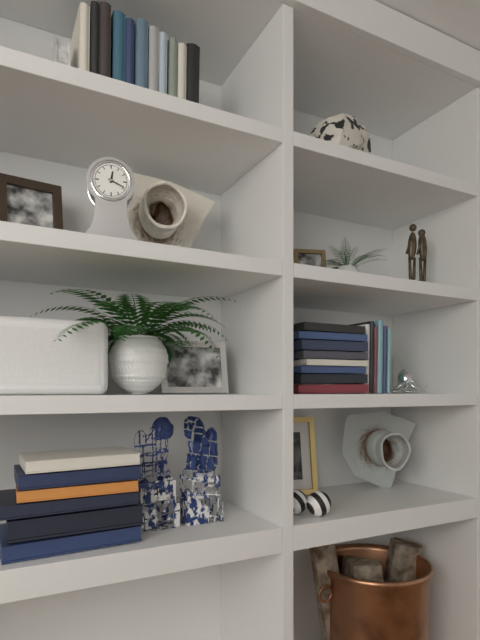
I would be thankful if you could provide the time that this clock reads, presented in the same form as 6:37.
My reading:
12:19
